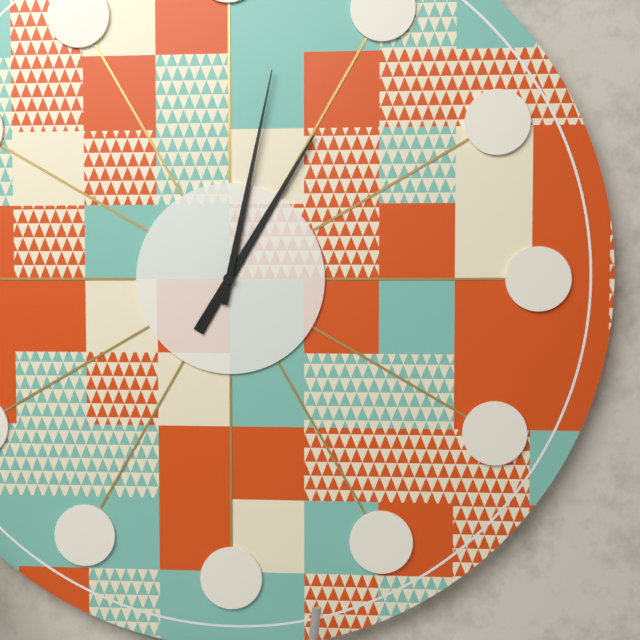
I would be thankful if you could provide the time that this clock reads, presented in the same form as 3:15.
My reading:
1:02
